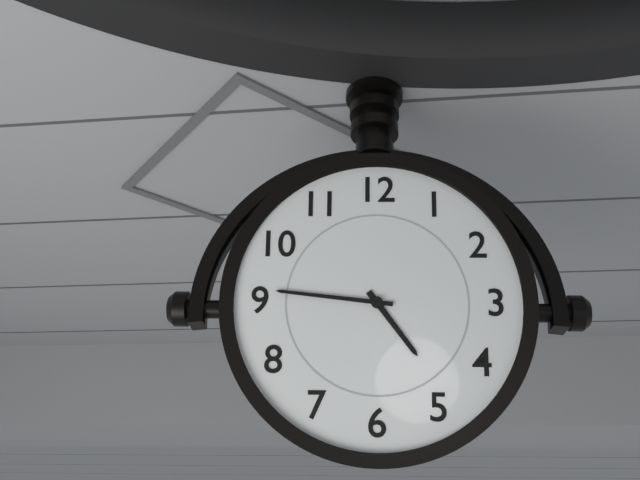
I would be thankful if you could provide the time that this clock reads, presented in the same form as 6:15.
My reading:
4:46
